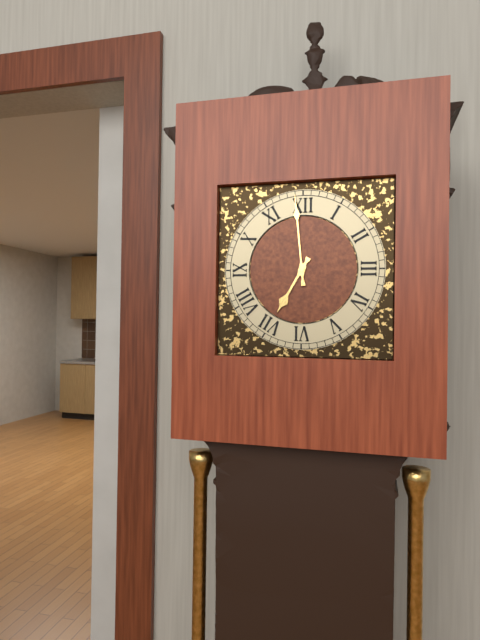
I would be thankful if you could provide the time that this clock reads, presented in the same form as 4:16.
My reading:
6:59
